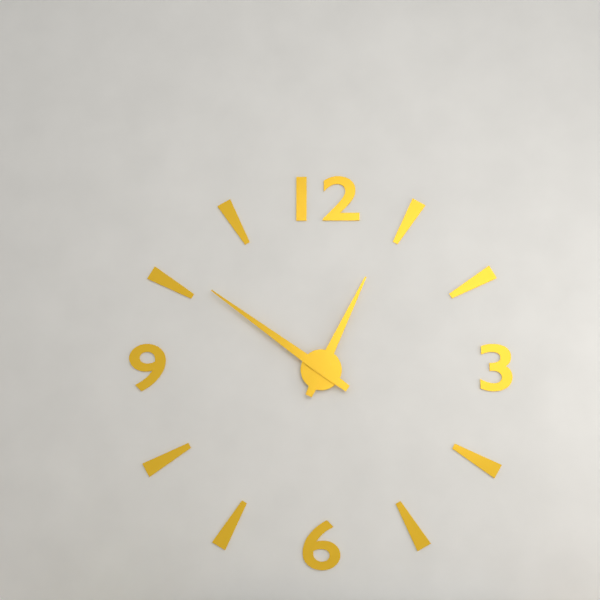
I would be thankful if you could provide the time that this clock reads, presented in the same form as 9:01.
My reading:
12:51
